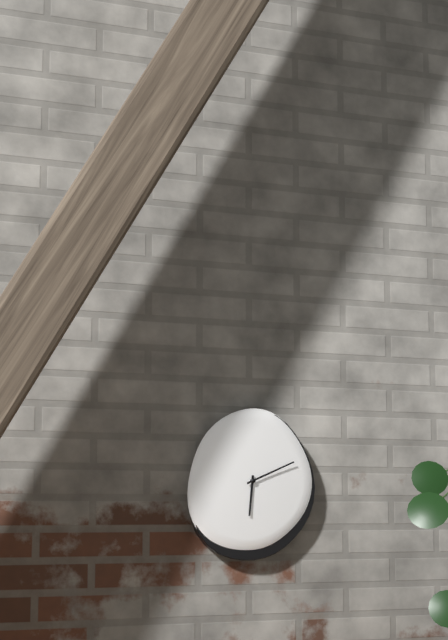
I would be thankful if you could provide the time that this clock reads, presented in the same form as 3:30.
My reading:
6:11
